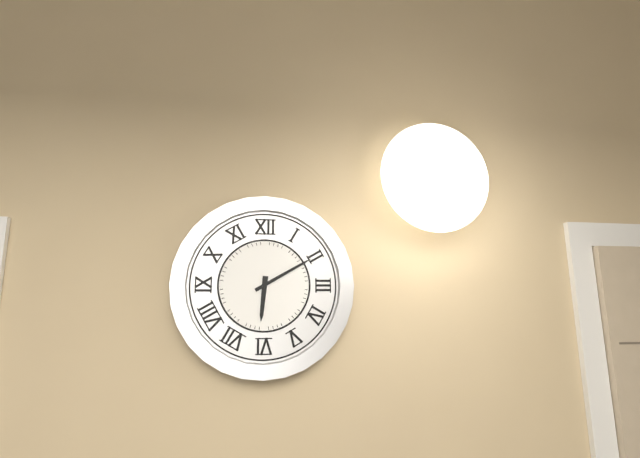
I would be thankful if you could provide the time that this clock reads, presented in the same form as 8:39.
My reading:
6:10
